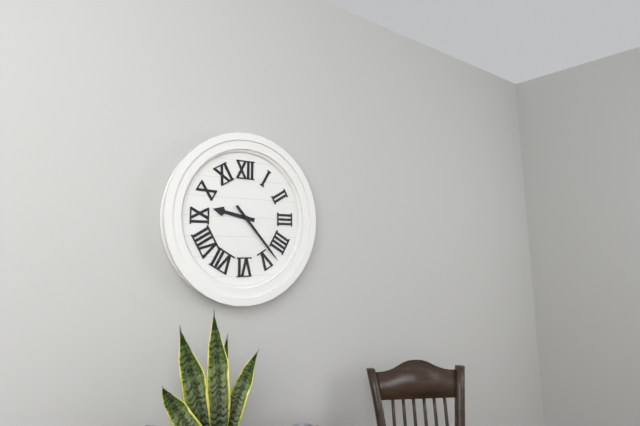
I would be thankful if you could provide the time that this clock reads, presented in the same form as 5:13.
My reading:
9:23
